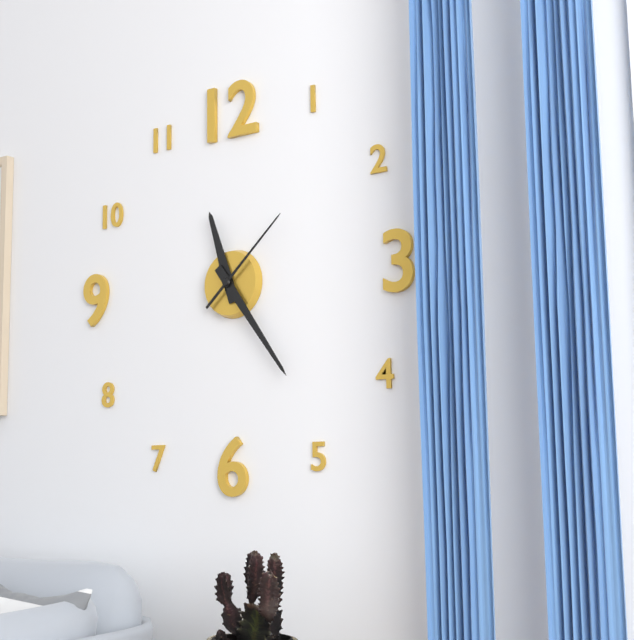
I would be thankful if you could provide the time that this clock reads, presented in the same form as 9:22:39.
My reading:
11:24:08
